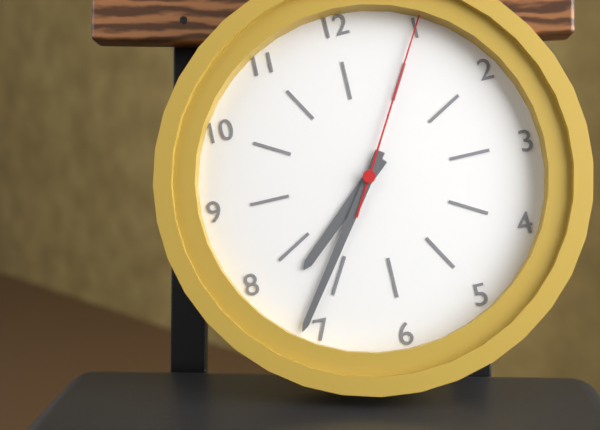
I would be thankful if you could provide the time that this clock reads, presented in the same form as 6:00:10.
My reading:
7:36:05
